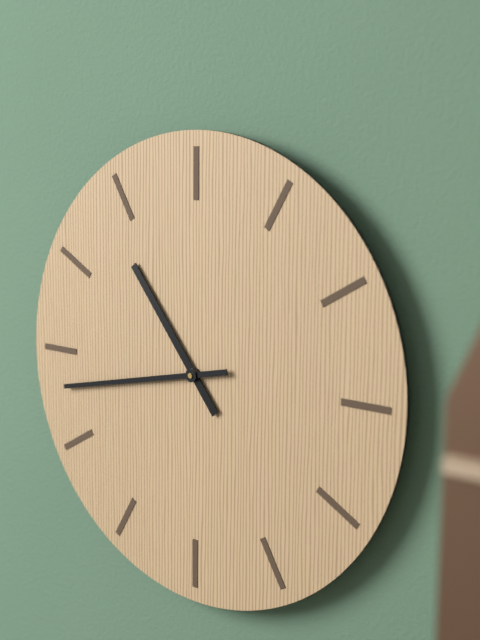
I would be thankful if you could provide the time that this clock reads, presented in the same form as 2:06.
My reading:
10:43
